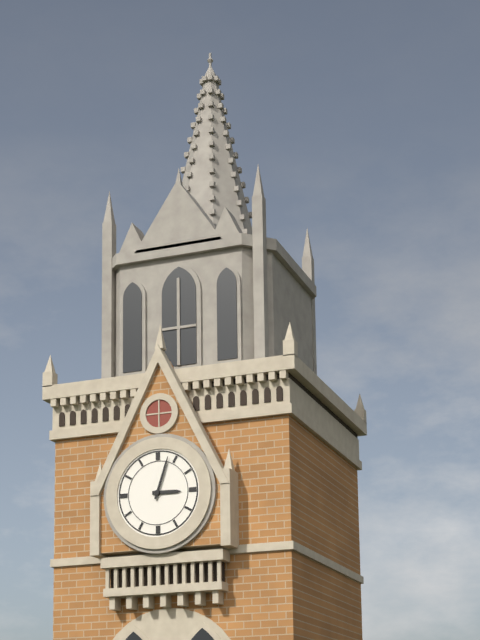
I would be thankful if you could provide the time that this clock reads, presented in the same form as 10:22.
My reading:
3:03
